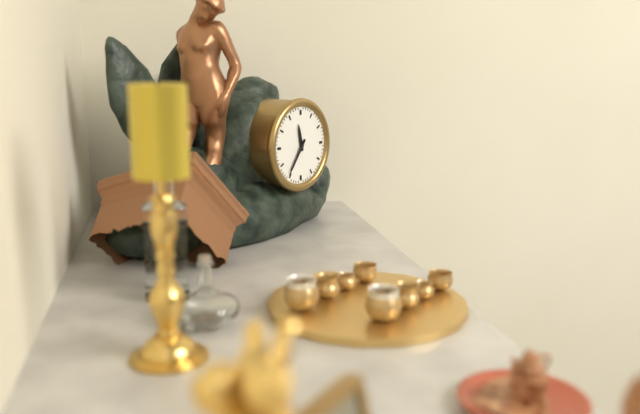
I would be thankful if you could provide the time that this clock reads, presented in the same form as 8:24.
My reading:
11:36
